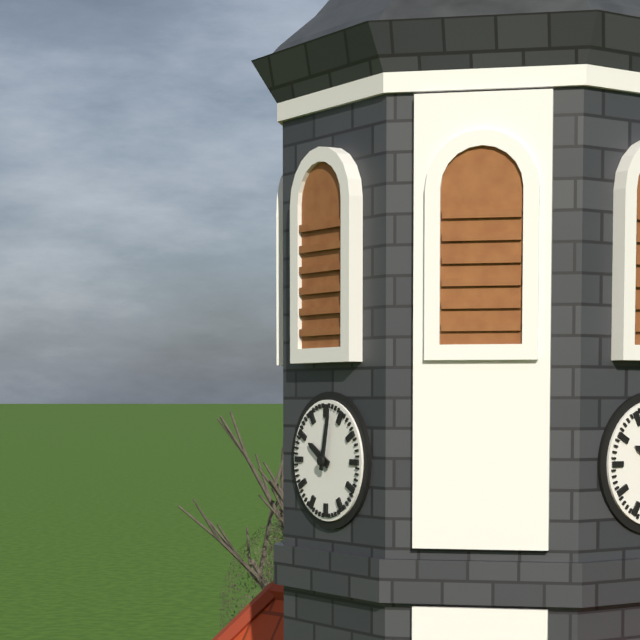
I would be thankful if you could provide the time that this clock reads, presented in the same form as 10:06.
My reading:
10:02
